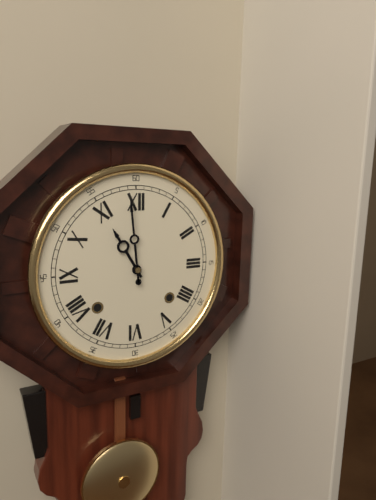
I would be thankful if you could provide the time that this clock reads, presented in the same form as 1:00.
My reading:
10:59
